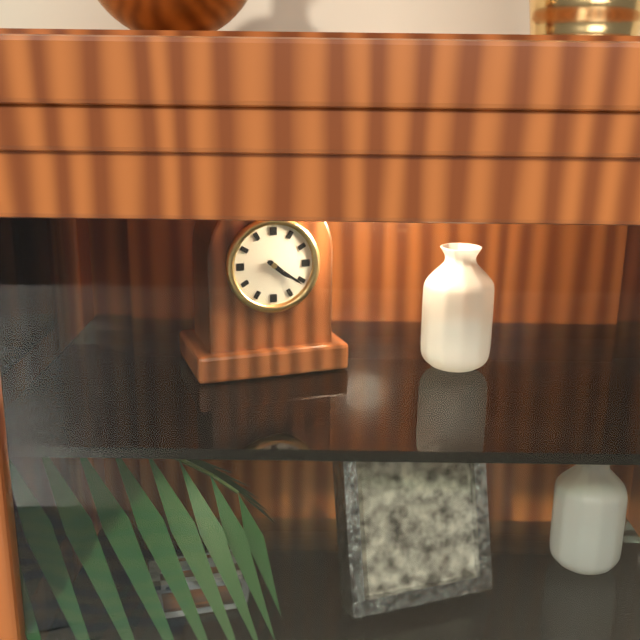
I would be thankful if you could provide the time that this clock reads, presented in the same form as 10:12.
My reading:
4:21
